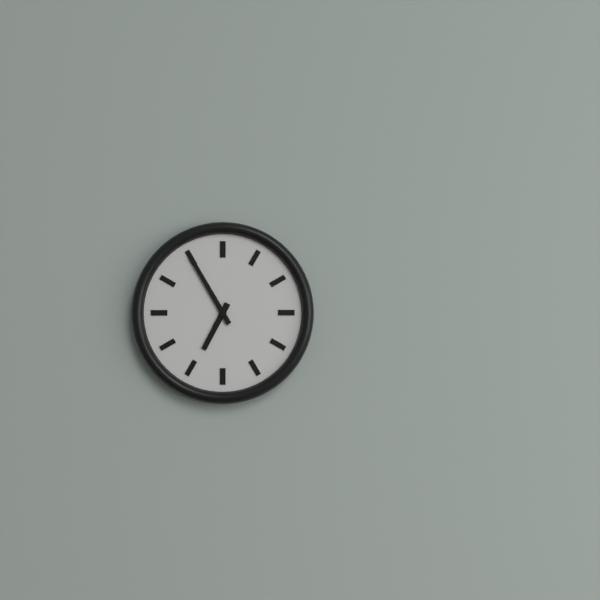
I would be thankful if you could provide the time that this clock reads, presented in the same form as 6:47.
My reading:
6:55
